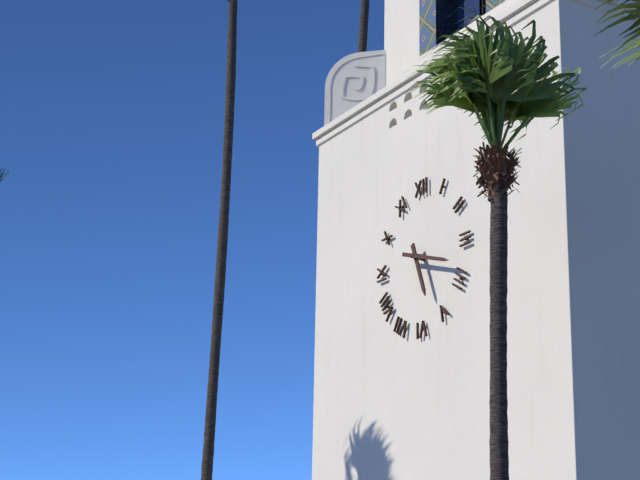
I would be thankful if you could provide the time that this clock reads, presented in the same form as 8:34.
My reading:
5:18
